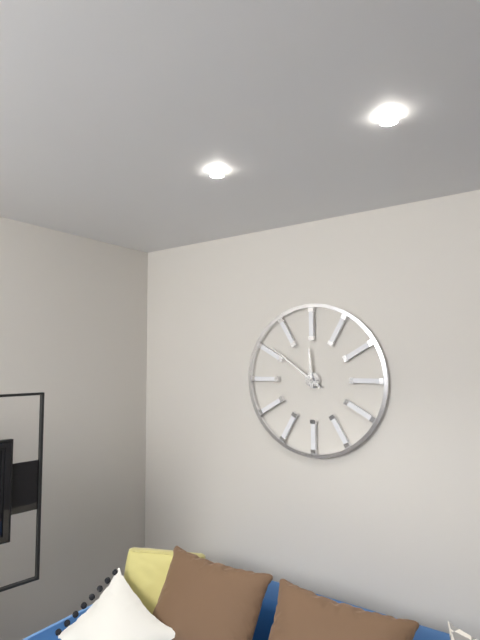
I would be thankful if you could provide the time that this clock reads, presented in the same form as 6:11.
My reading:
11:51
